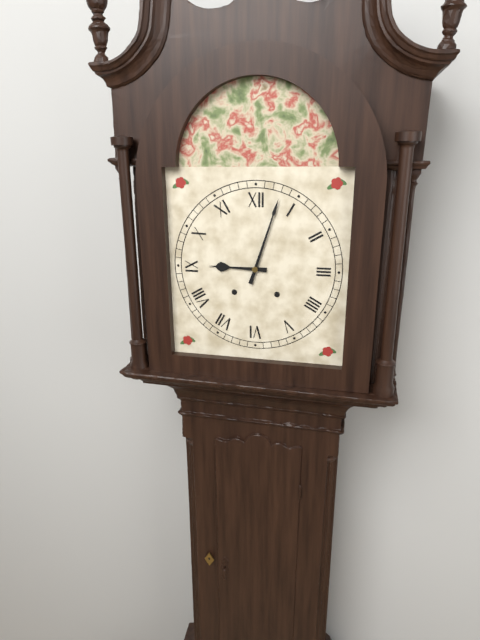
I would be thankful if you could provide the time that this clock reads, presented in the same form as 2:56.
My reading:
9:03
